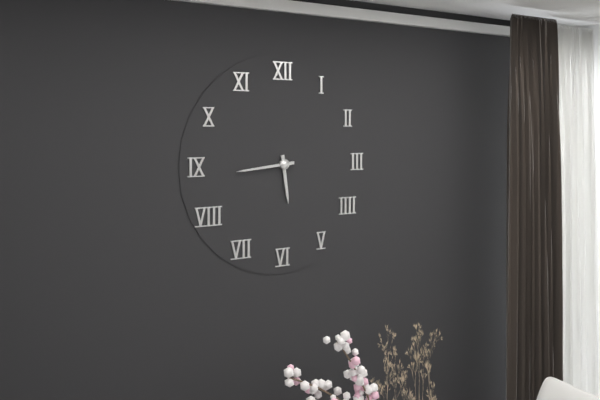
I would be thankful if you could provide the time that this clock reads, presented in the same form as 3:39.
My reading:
5:44
